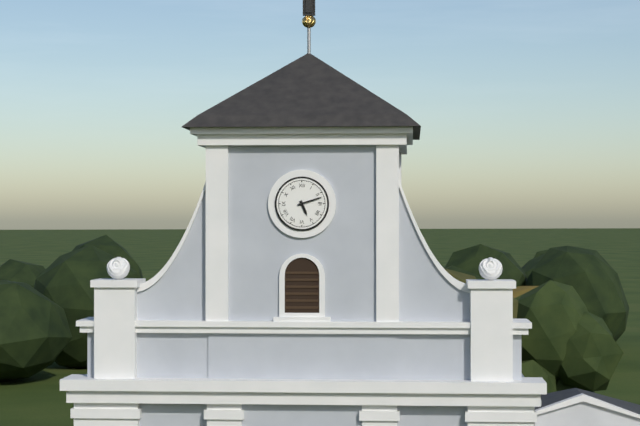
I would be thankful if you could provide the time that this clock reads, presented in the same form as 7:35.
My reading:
5:12
